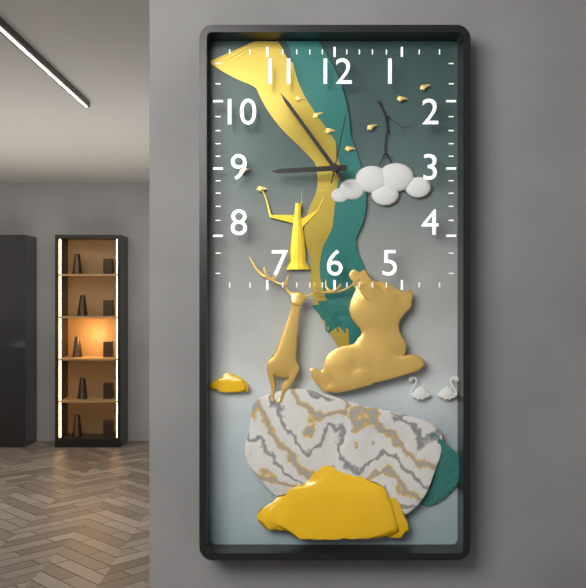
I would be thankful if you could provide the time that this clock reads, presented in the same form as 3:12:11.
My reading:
8:54:02
